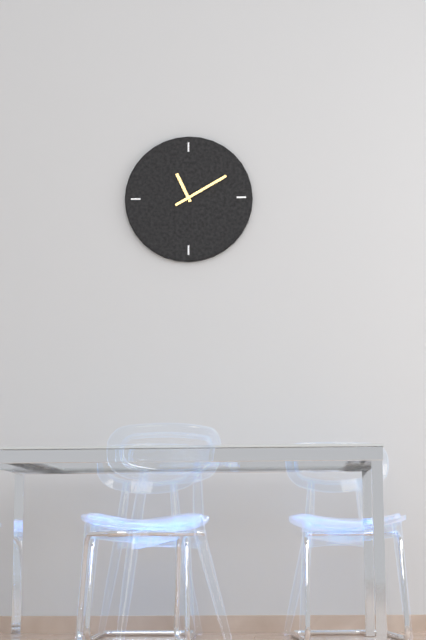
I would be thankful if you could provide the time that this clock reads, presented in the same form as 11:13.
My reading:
11:10
